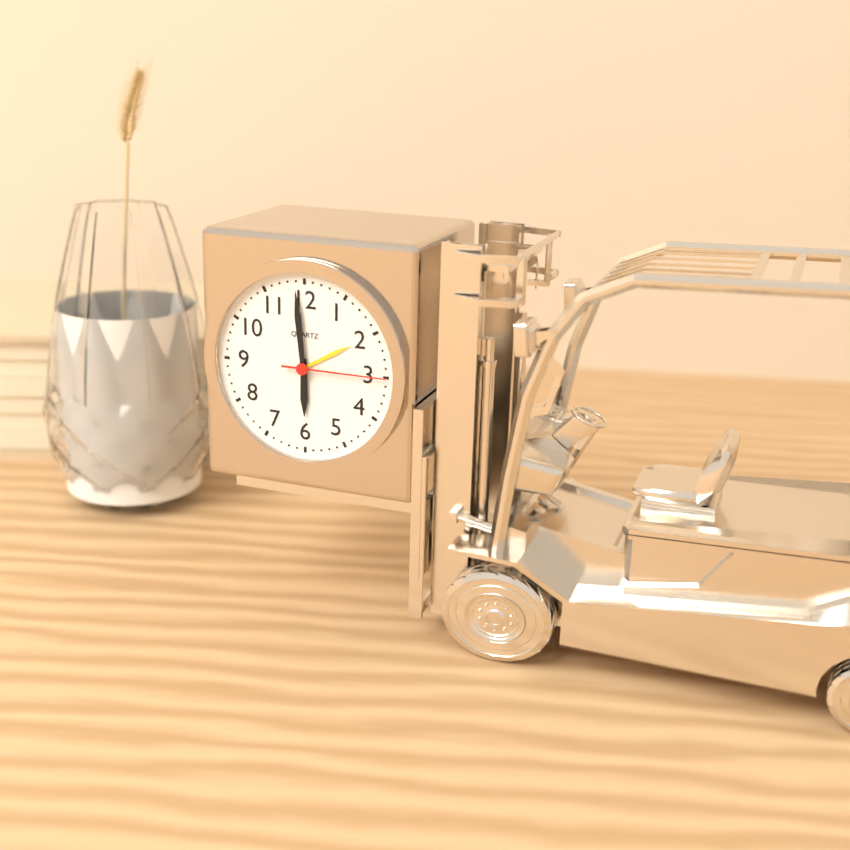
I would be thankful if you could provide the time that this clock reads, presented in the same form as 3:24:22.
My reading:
5:59:15
